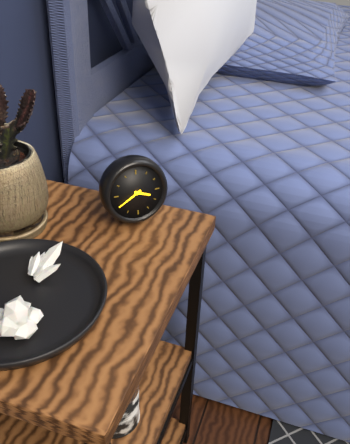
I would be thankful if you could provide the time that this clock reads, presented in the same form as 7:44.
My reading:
3:40
